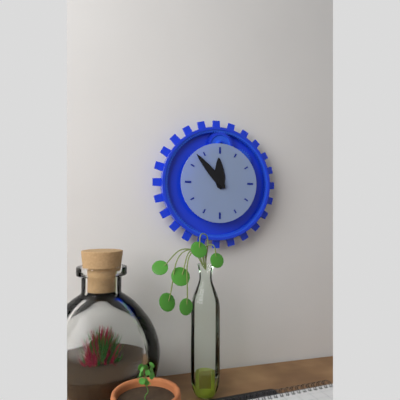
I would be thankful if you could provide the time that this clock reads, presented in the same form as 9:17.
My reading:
11:53
